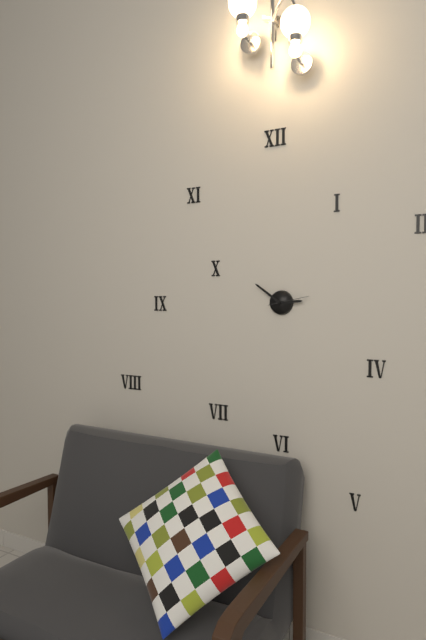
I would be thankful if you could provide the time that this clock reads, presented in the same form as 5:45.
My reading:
2:51
